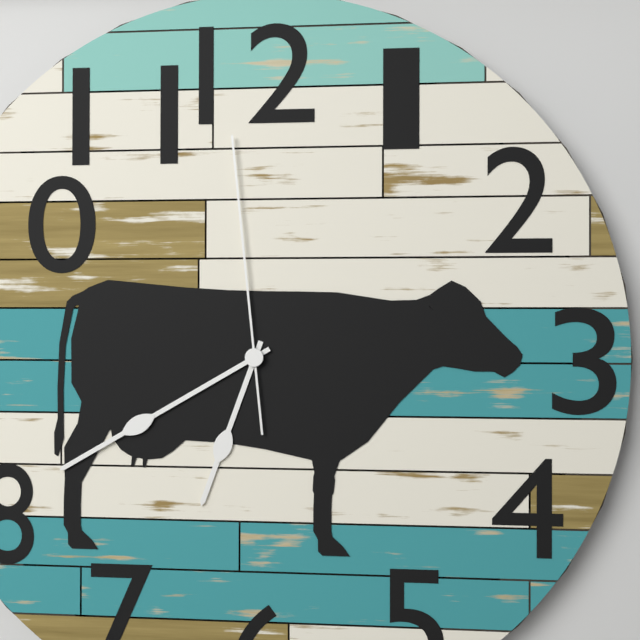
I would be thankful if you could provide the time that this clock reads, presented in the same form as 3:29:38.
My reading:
6:40:59
